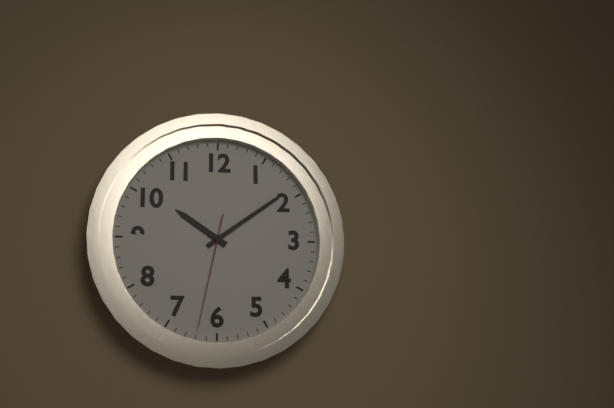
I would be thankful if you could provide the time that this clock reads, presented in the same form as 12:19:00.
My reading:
10:09:32
